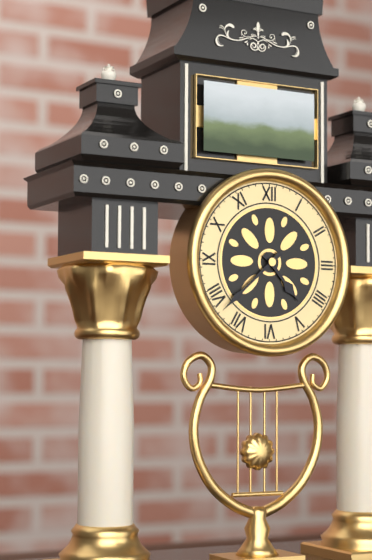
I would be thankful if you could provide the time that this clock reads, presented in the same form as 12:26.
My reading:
4:38
